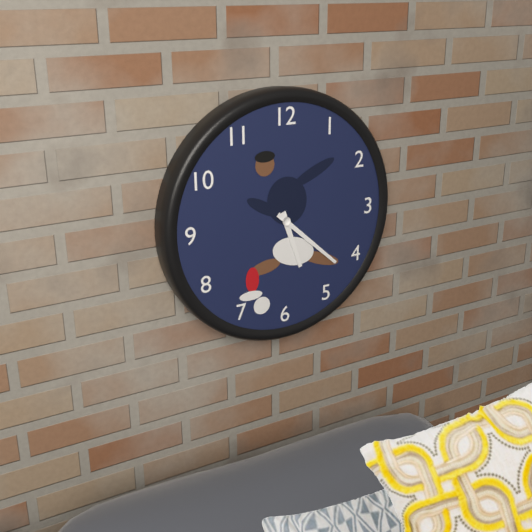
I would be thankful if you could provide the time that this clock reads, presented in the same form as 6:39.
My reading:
5:22
